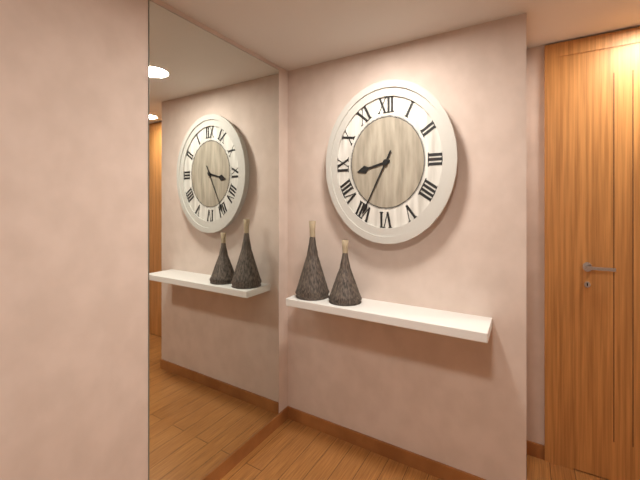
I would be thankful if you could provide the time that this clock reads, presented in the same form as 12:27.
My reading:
8:35
